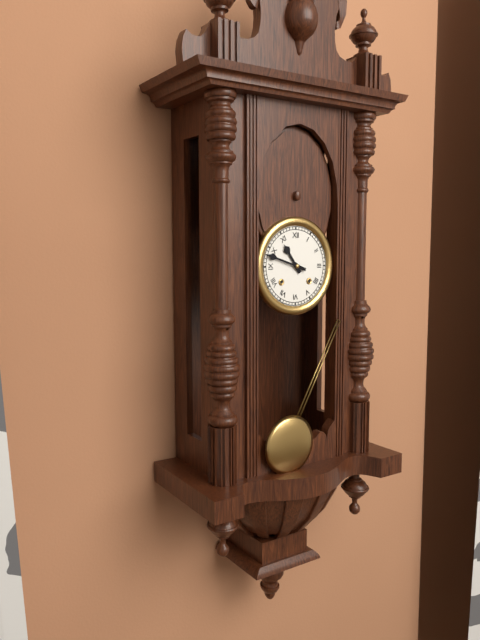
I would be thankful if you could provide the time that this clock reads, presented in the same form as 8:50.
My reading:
10:48
